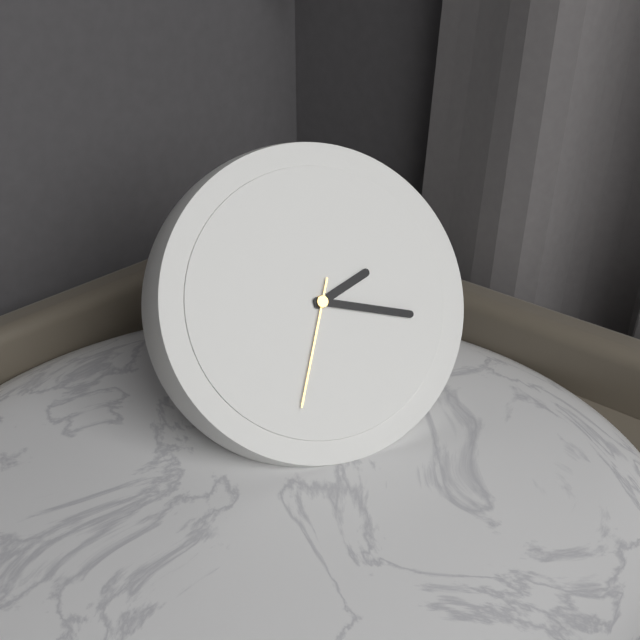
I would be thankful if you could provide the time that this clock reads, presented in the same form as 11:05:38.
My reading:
2:18:34
